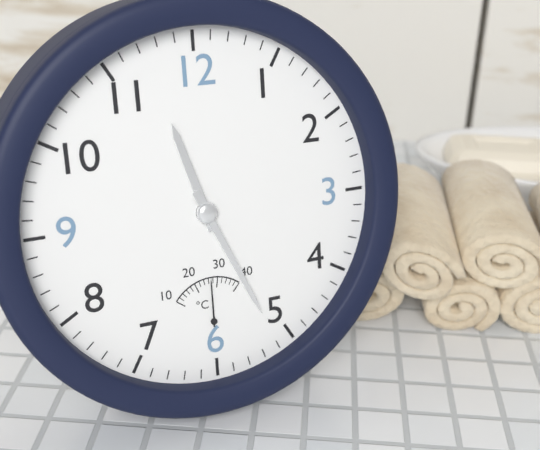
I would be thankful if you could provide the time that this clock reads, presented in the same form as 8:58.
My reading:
11:26
